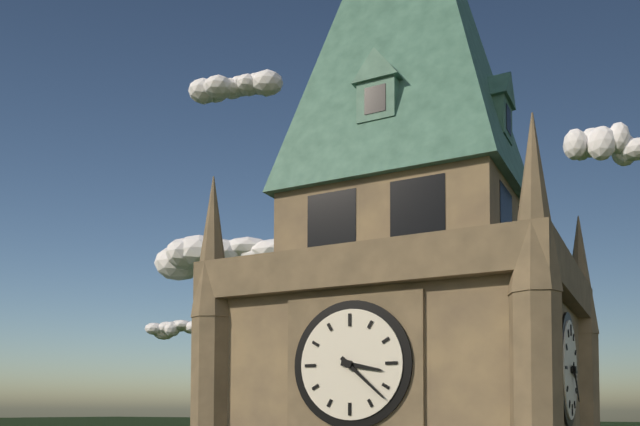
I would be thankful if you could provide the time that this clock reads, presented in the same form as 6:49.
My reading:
3:22
